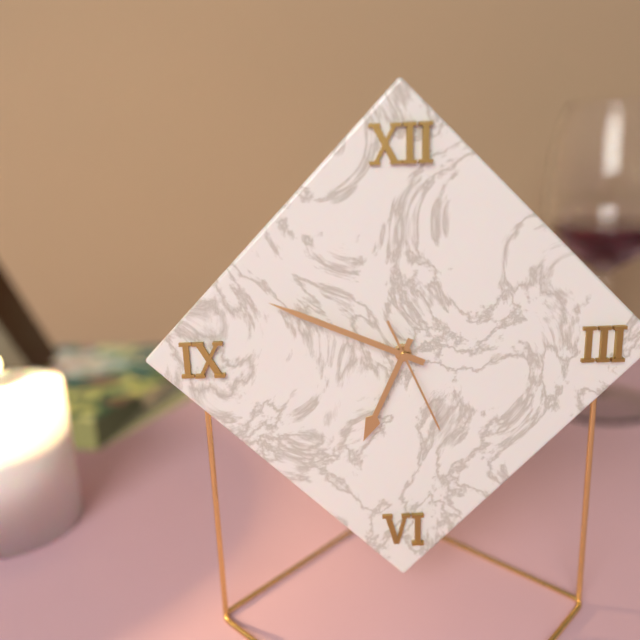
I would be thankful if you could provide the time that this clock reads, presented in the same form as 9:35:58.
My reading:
6:49:26
